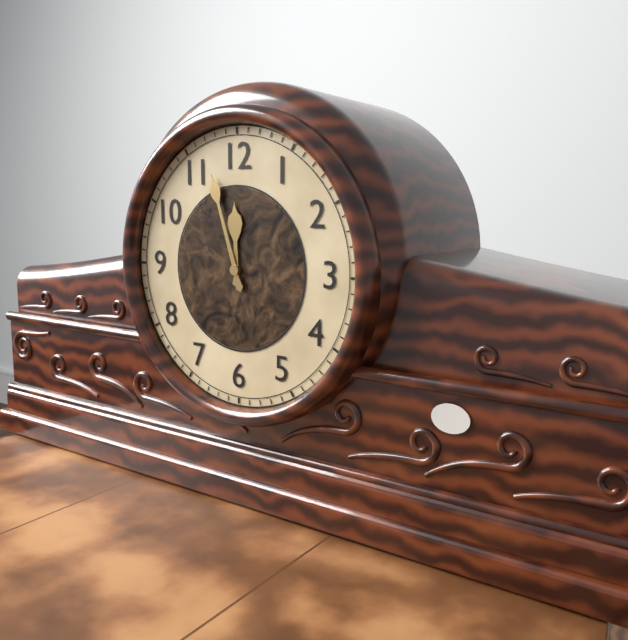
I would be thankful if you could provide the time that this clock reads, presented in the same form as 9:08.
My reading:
11:57
